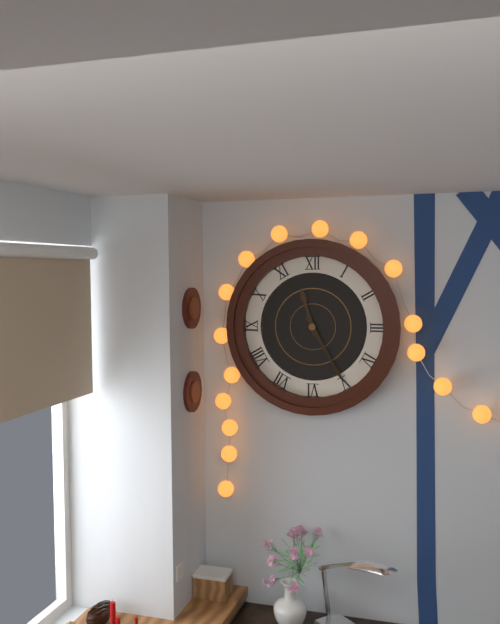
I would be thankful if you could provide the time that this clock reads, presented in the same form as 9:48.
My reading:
11:25
